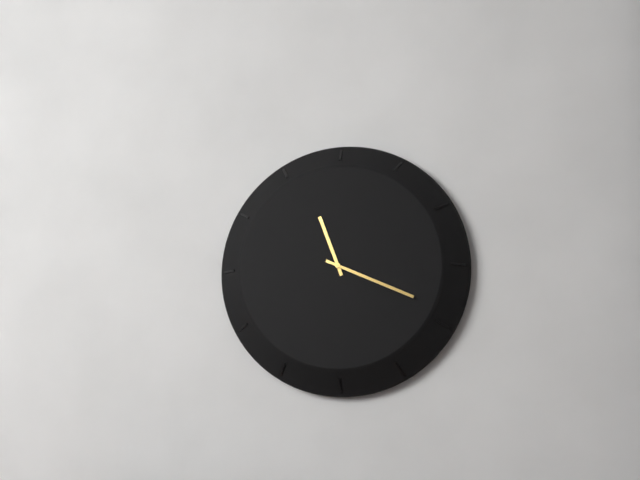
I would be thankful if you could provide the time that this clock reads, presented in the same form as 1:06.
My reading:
11:19
